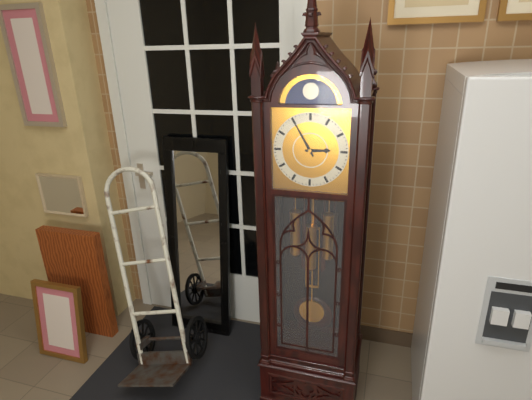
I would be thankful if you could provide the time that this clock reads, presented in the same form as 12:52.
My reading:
2:55
